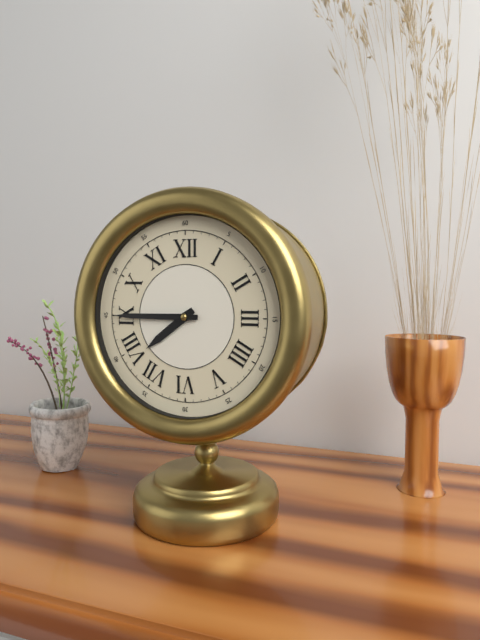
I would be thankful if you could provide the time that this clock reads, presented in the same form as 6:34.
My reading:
7:45
